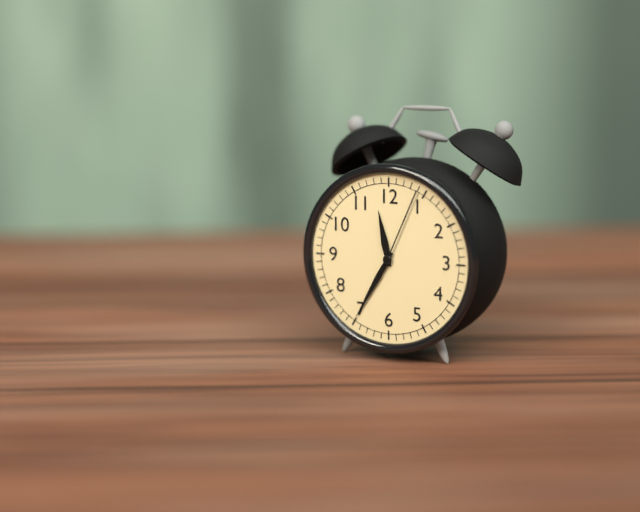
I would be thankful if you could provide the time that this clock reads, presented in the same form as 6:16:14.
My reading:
11:35:04
